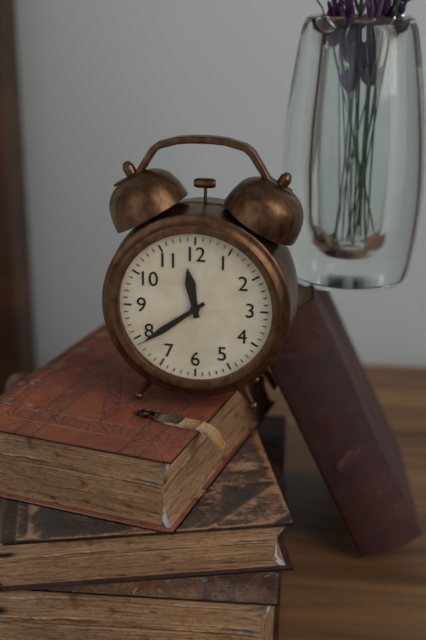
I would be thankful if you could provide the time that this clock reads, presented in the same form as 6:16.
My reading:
11:39
